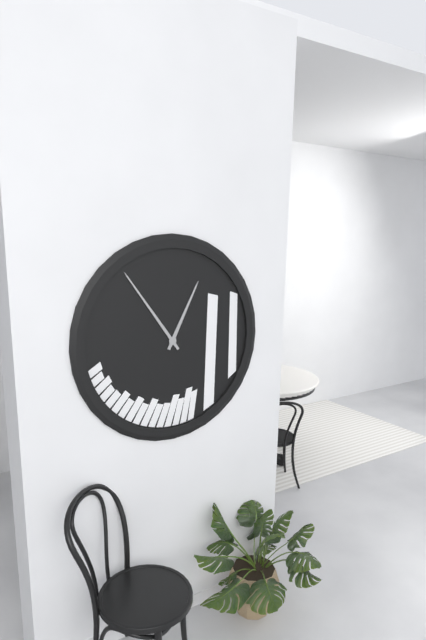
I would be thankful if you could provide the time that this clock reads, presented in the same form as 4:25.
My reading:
12:54
